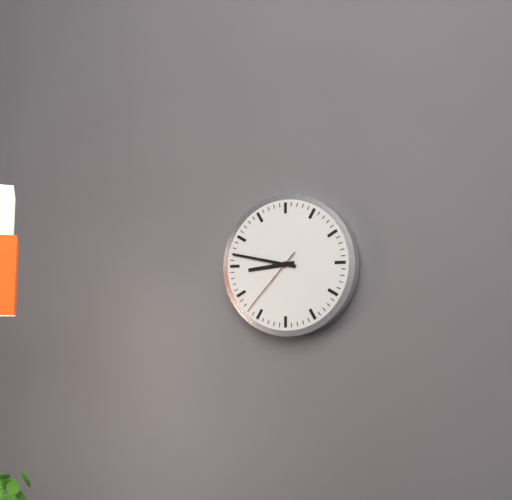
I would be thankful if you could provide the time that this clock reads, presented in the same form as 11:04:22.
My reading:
8:47:37
